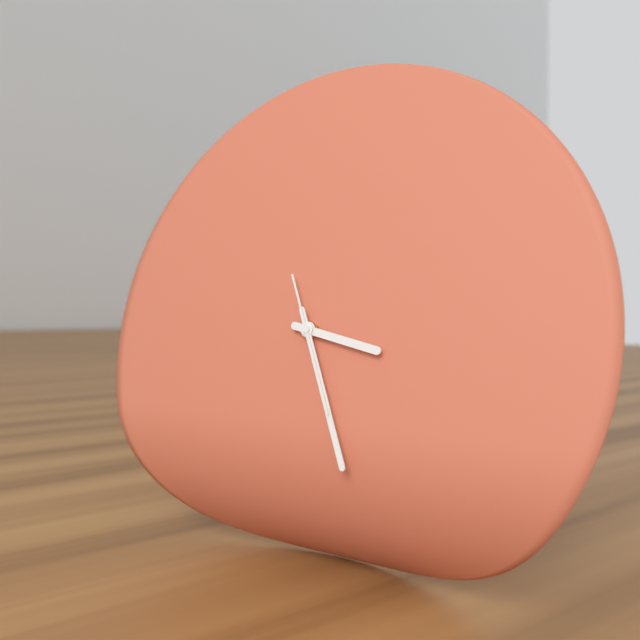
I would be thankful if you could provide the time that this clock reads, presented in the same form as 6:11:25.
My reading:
3:26:26
